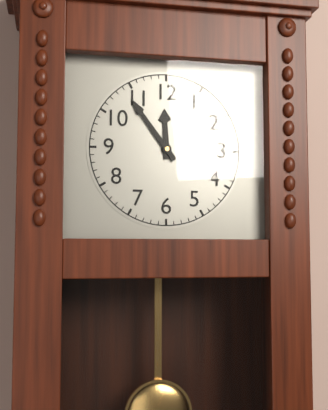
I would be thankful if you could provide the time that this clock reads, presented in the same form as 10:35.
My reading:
11:54
